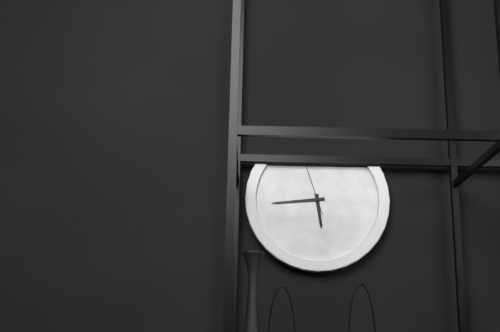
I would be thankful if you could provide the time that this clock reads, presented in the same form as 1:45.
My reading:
5:44
